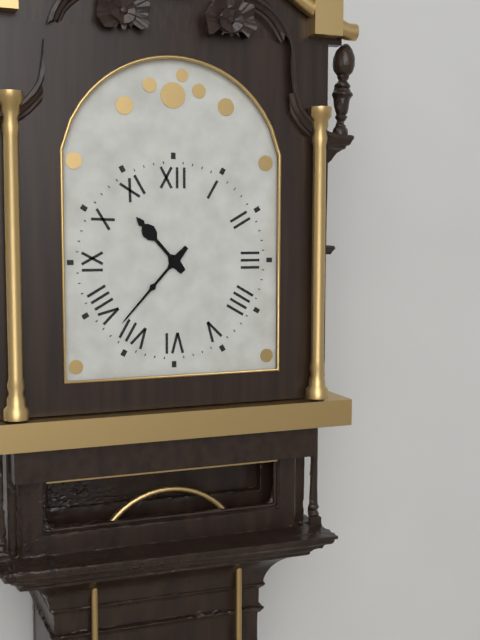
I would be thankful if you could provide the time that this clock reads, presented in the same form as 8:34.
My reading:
10:37
